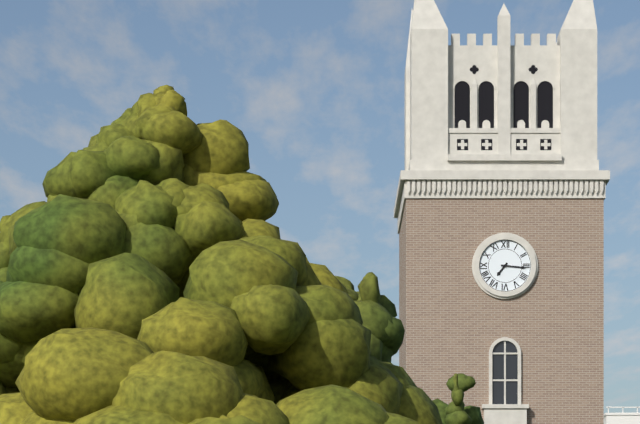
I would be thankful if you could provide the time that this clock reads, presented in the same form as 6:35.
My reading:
7:16
